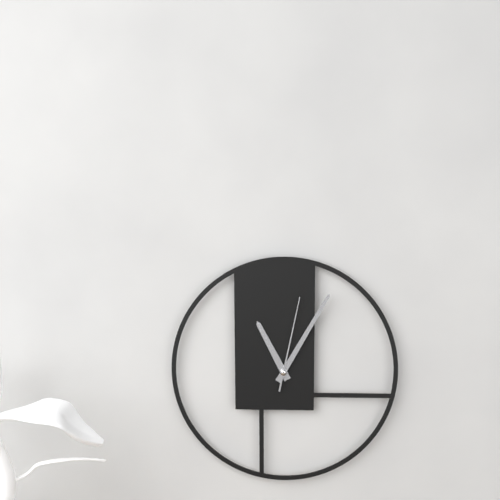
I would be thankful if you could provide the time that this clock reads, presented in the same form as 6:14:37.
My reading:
11:05:02
